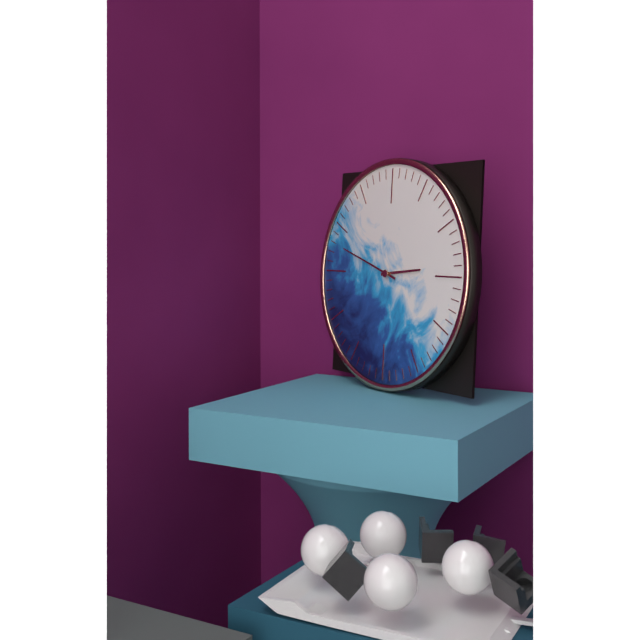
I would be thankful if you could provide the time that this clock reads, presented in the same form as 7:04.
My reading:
2:48
